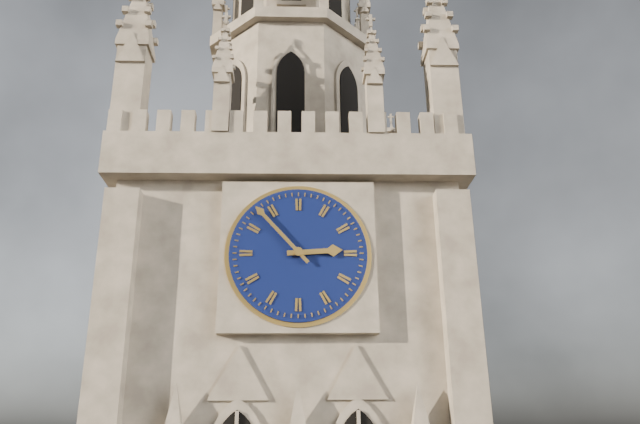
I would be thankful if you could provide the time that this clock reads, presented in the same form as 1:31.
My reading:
2:53
